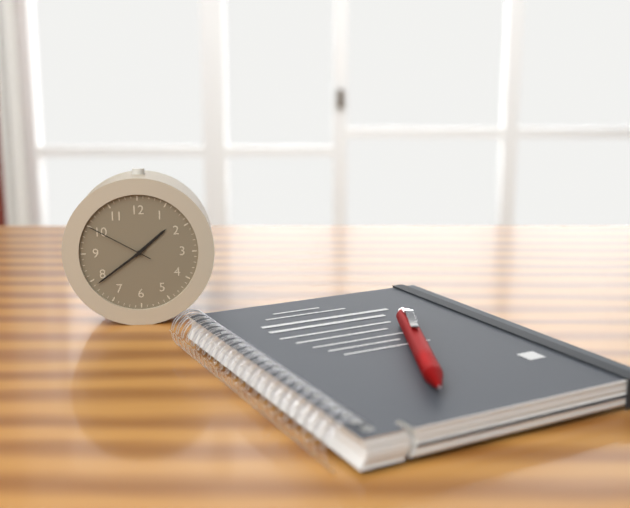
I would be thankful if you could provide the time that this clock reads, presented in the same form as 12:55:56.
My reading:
1:39:50
